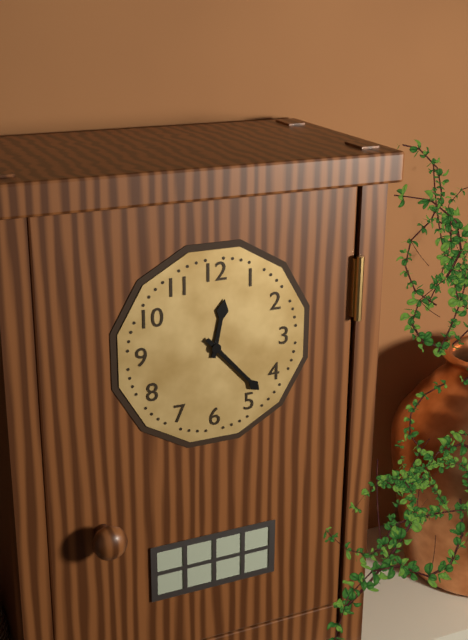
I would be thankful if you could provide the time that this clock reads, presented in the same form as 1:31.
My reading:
12:23
